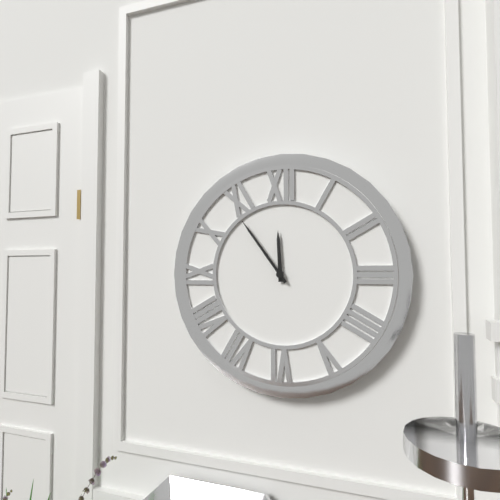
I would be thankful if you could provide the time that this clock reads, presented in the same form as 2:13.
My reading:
11:54
